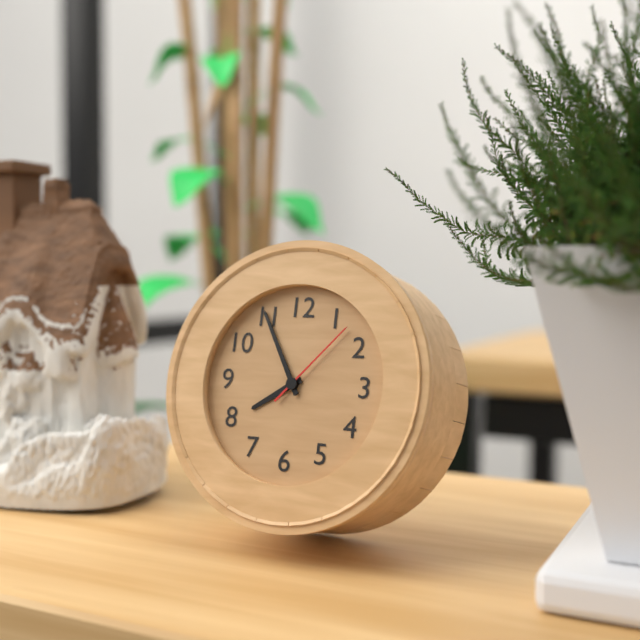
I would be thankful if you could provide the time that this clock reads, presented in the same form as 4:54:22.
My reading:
7:55:07
